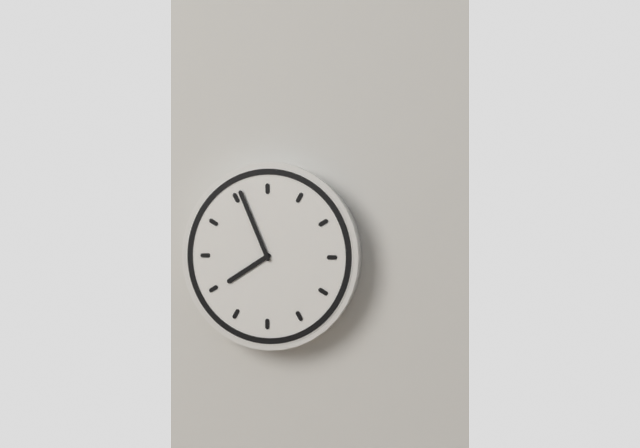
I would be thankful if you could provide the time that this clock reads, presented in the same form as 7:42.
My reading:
7:56
